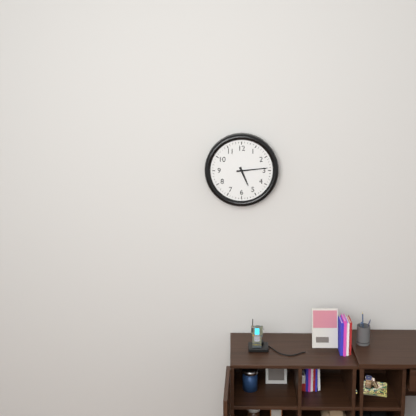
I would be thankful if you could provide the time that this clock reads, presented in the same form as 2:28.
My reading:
5:14
